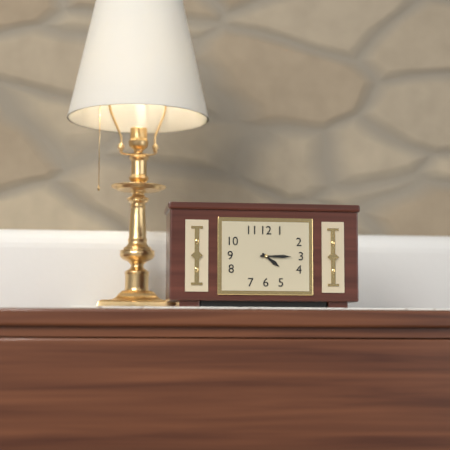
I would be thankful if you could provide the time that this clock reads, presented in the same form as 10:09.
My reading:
4:15
